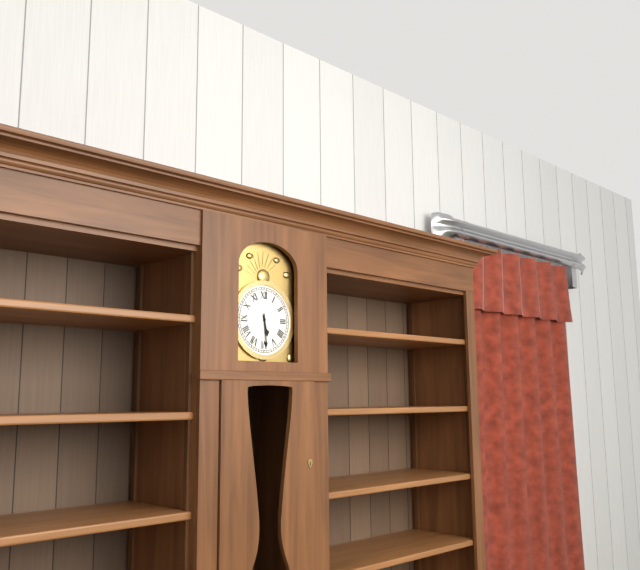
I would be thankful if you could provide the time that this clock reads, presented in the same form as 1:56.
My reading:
5:29
